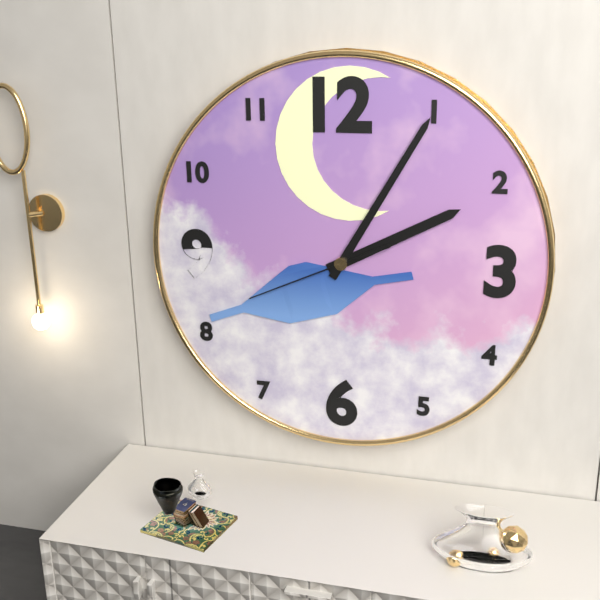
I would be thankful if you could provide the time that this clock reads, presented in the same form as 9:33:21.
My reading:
2:05:41
